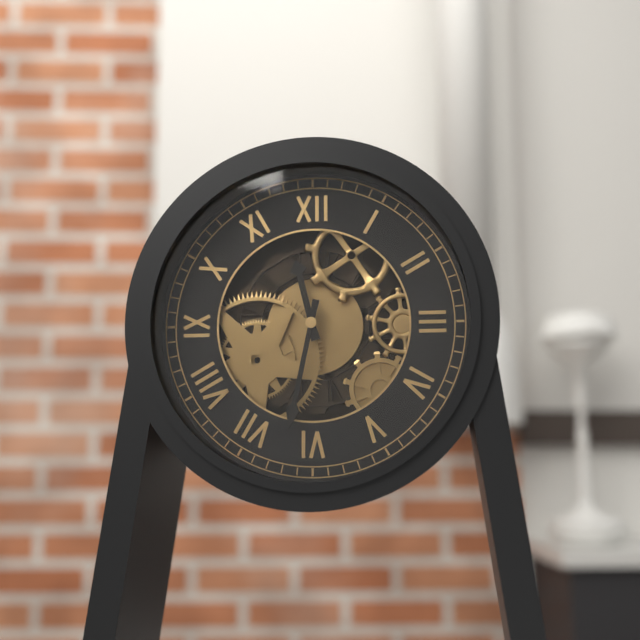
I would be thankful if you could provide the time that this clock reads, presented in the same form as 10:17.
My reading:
11:32
